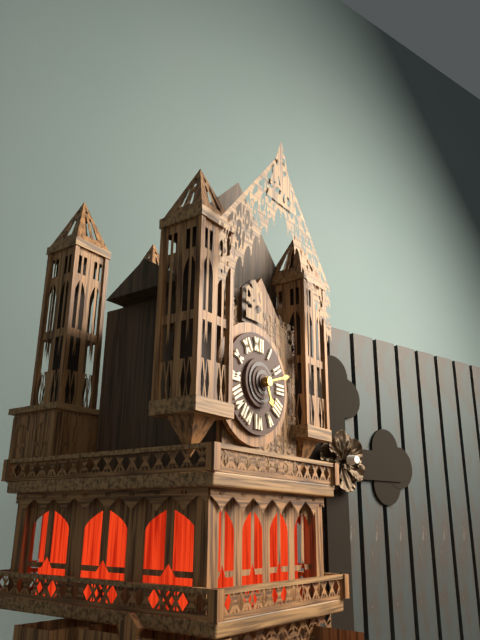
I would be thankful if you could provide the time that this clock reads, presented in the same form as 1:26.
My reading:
5:12
